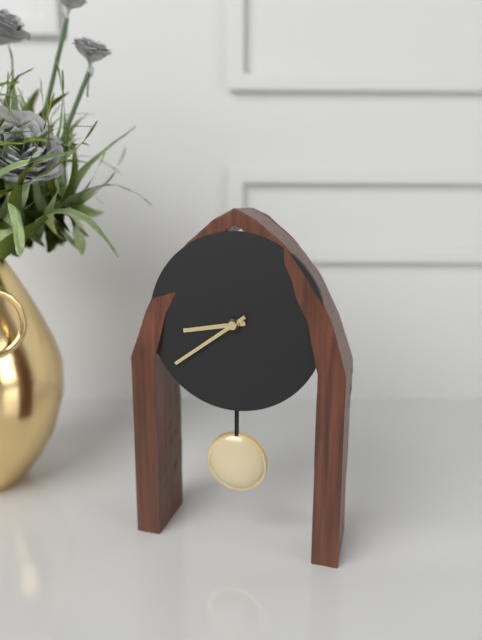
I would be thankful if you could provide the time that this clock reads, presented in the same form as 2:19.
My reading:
8:39
